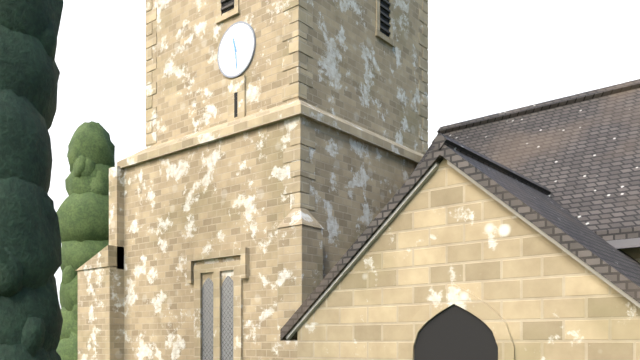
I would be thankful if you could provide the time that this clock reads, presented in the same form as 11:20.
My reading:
11:29
